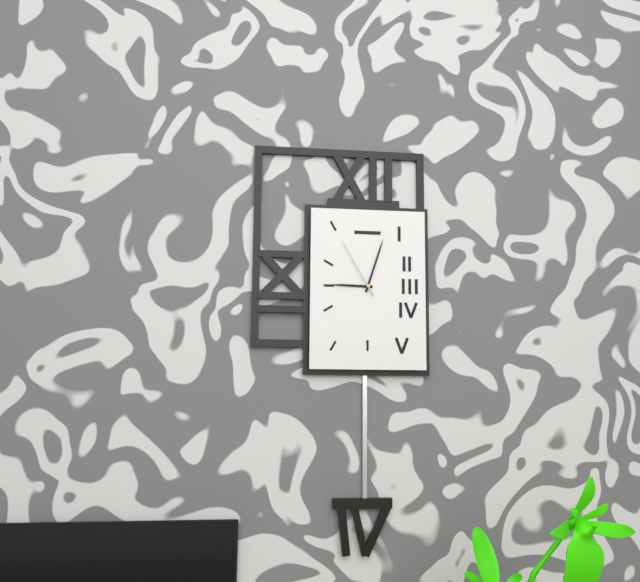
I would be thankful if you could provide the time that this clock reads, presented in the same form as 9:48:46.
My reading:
9:03:55
